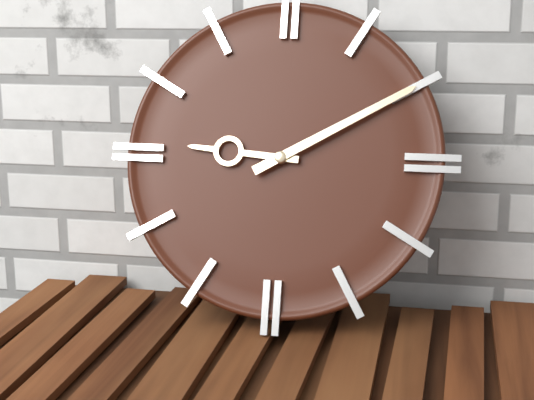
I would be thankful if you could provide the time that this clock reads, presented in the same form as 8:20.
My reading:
9:10
